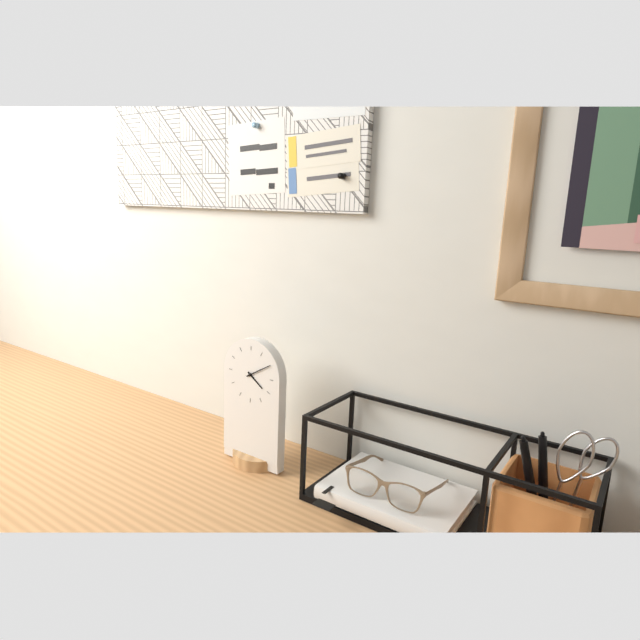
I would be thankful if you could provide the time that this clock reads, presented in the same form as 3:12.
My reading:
4:10
